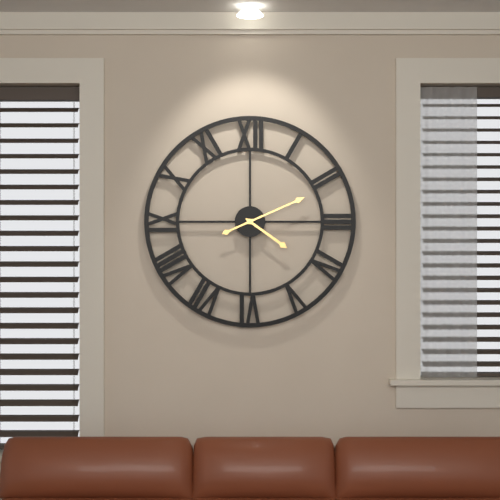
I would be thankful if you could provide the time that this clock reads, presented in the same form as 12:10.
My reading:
4:11
